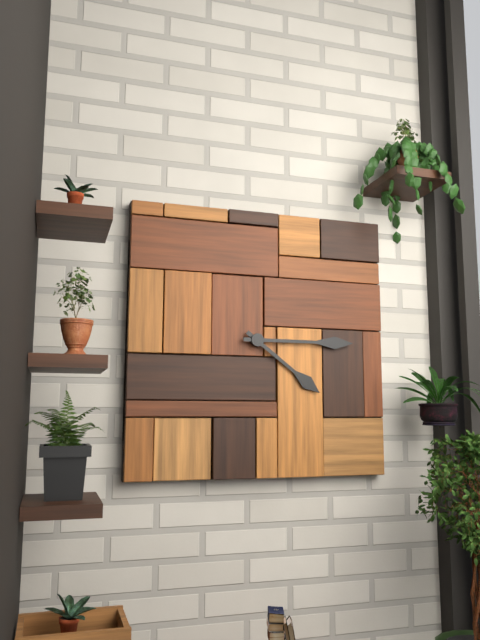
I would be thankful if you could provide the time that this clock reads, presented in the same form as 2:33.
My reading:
4:15
